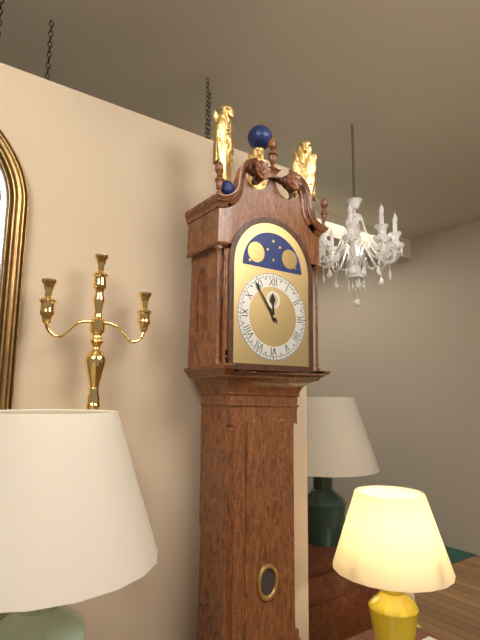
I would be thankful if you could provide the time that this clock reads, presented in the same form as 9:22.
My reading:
11:54
